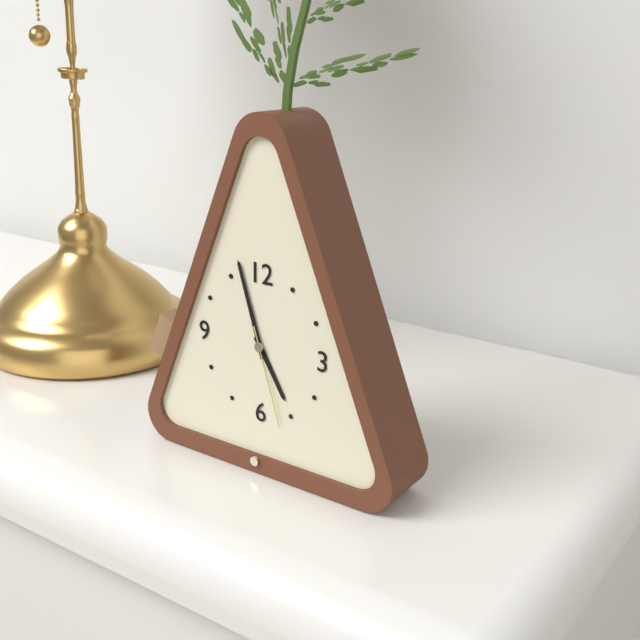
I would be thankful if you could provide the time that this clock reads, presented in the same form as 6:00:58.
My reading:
4:57:27
